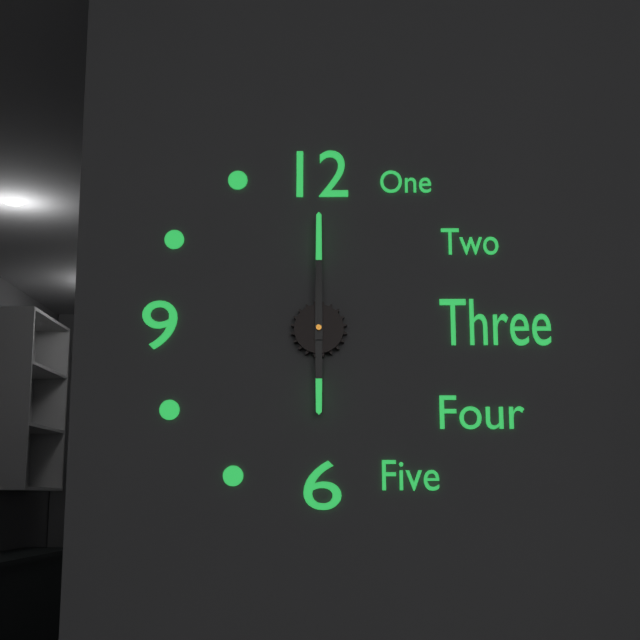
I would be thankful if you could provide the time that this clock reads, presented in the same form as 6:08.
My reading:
6:00
